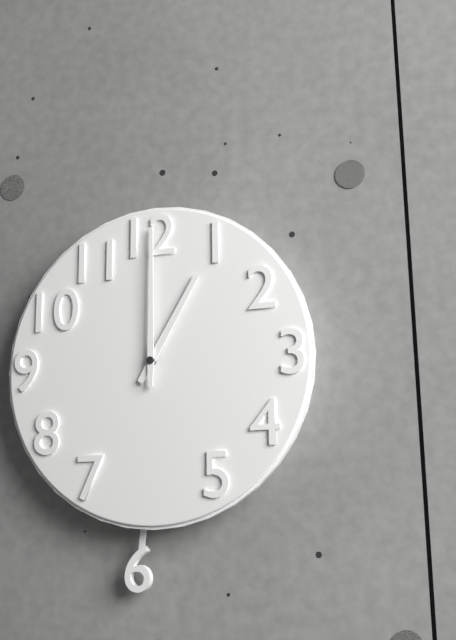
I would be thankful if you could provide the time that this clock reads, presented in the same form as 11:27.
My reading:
1:00
